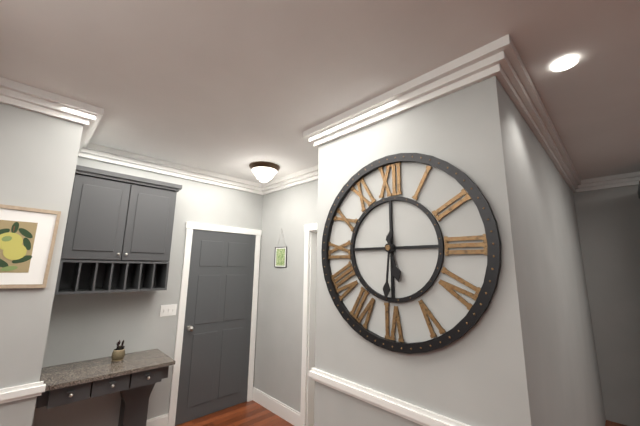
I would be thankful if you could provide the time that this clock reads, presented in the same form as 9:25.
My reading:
5:31
